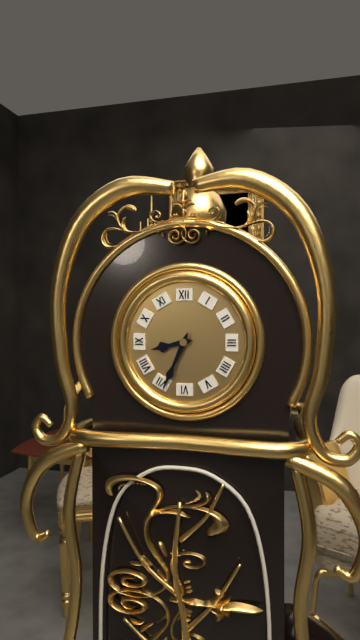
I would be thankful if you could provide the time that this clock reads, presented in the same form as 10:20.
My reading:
8:34
